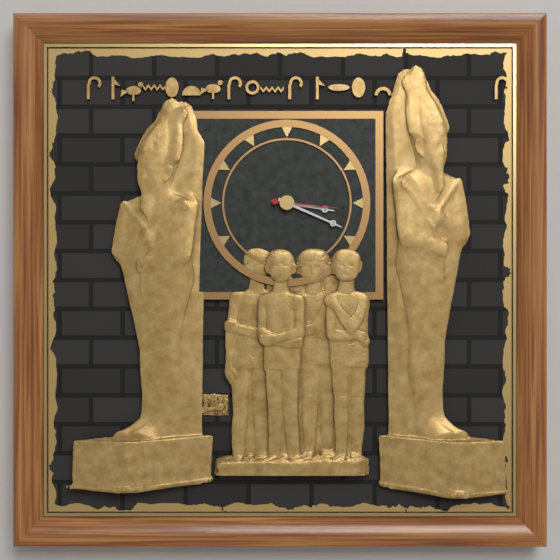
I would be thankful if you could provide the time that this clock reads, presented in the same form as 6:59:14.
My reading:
3:19:16
